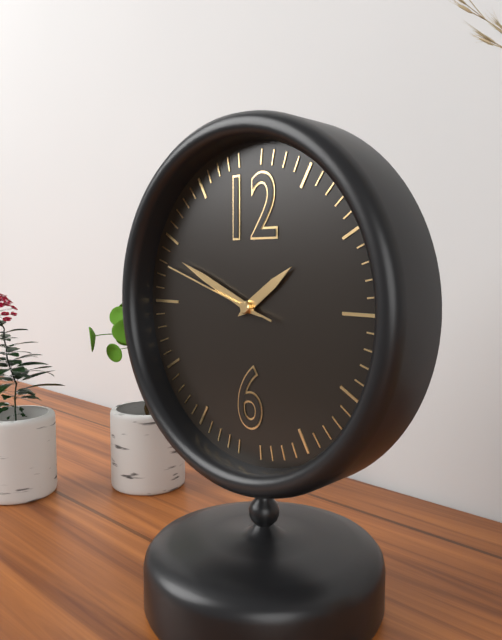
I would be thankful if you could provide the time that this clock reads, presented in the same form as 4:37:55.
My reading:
1:49:48
